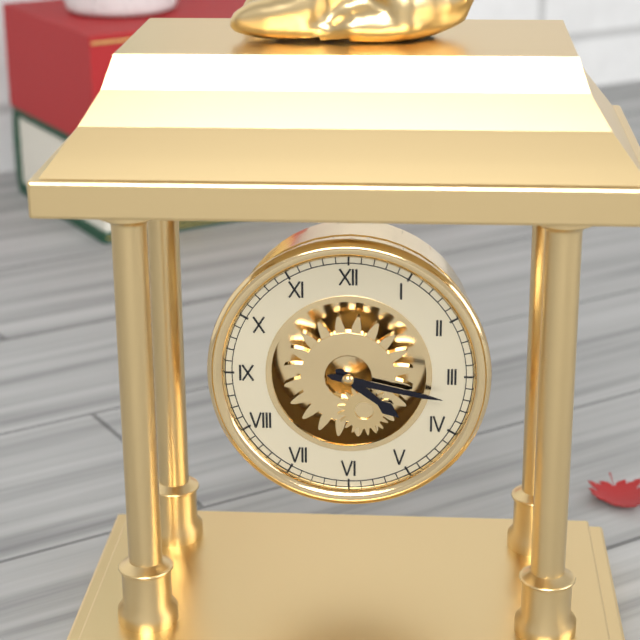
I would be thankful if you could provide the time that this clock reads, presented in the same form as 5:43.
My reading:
4:17
